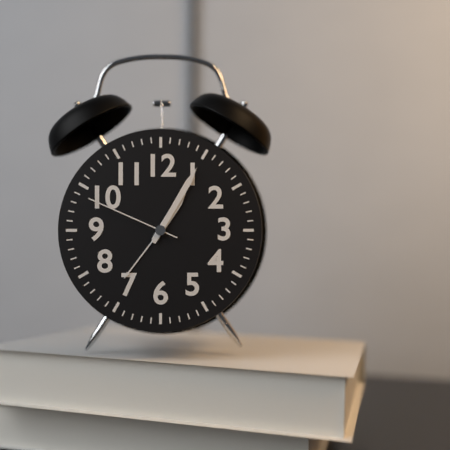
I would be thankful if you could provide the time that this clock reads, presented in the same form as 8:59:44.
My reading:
1:05:49
